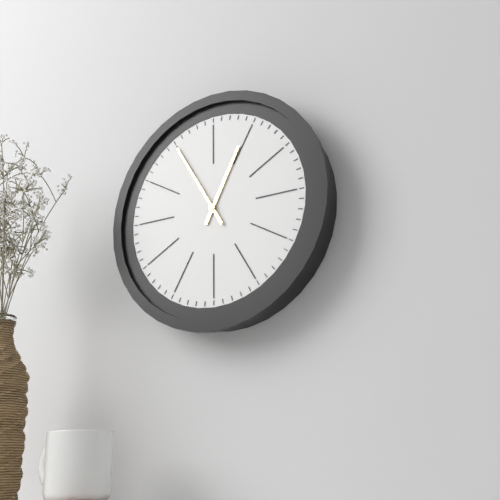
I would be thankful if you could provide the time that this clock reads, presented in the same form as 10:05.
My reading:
12:55
